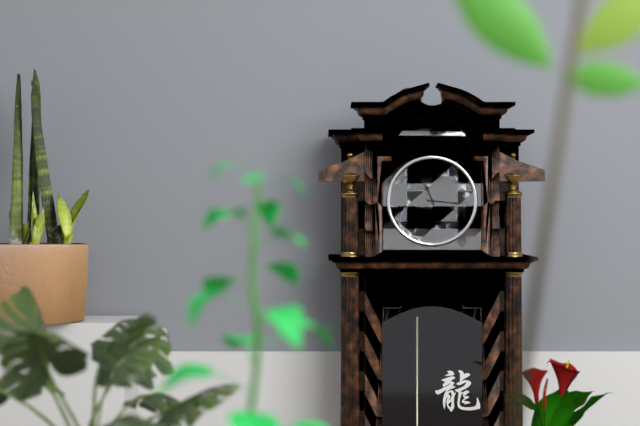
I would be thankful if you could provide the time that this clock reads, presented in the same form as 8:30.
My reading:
11:16
